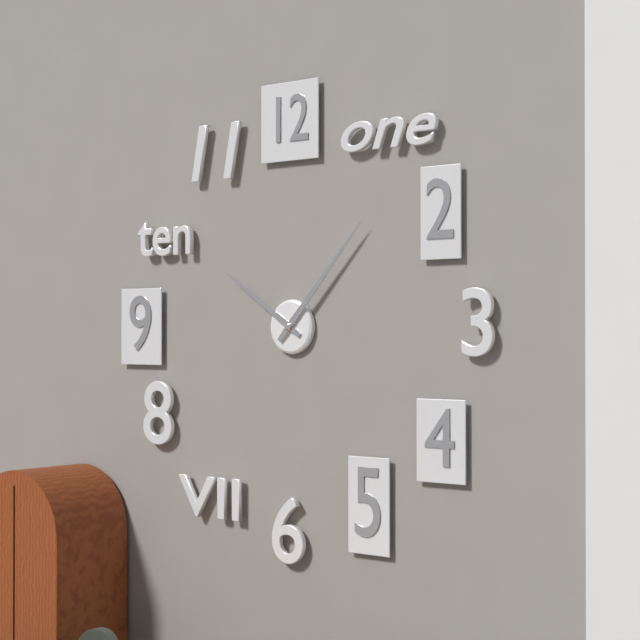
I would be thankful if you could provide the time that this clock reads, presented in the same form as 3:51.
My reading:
10:07
